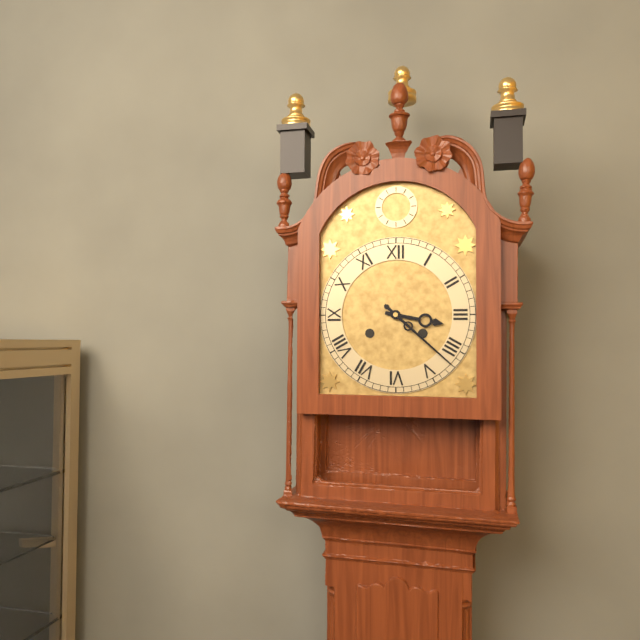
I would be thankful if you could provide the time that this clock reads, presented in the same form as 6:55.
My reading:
3:22
